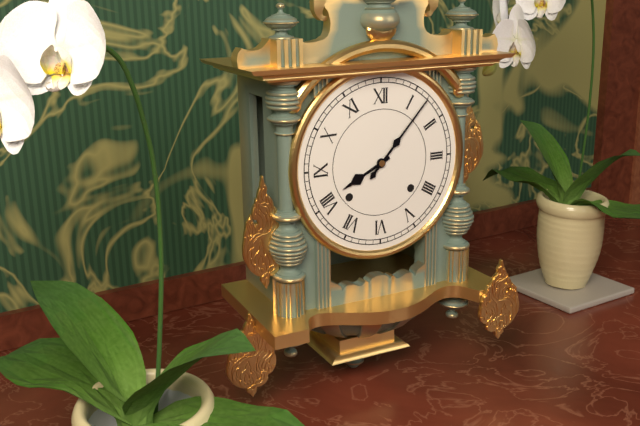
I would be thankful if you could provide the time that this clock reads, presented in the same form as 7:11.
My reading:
8:07
